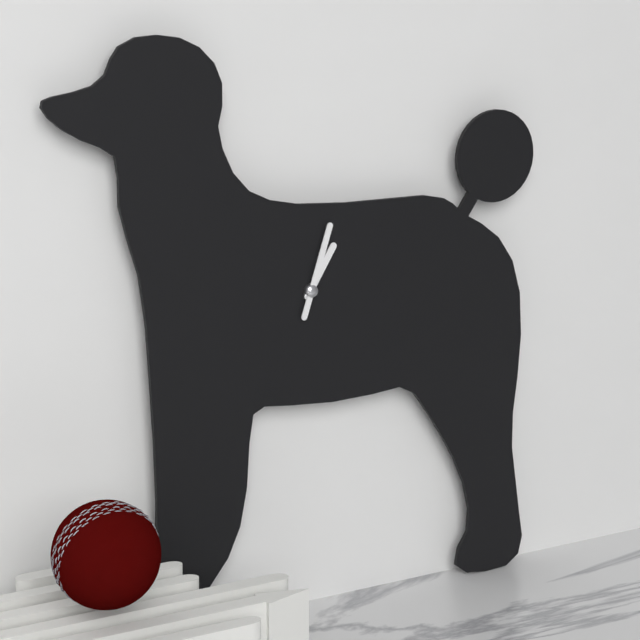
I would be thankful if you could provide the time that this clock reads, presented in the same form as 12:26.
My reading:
1:03
